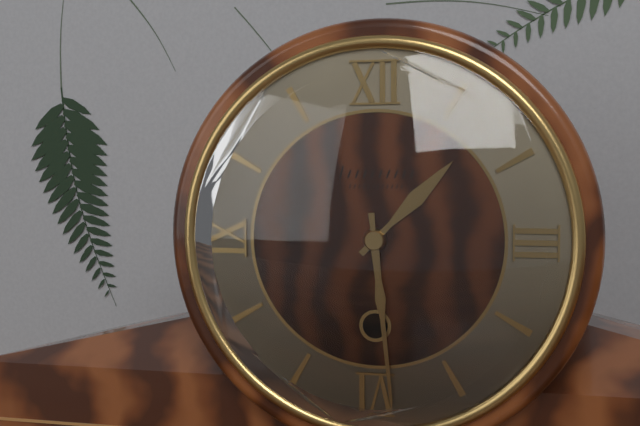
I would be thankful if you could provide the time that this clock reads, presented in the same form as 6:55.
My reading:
1:29
